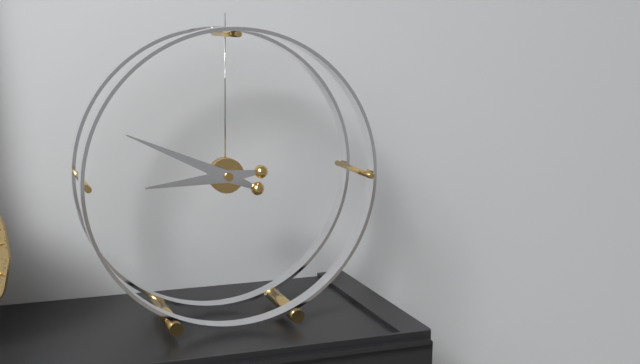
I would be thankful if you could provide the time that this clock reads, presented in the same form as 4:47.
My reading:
8:49
